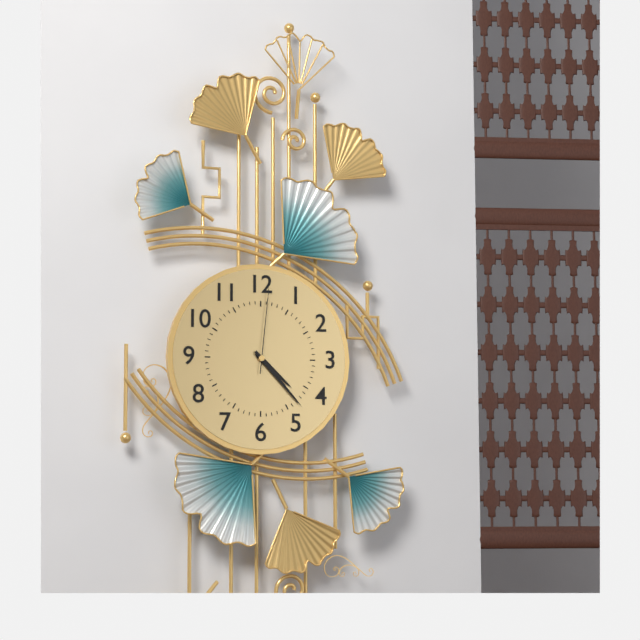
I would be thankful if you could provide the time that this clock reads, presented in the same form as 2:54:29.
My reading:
4:23:01
